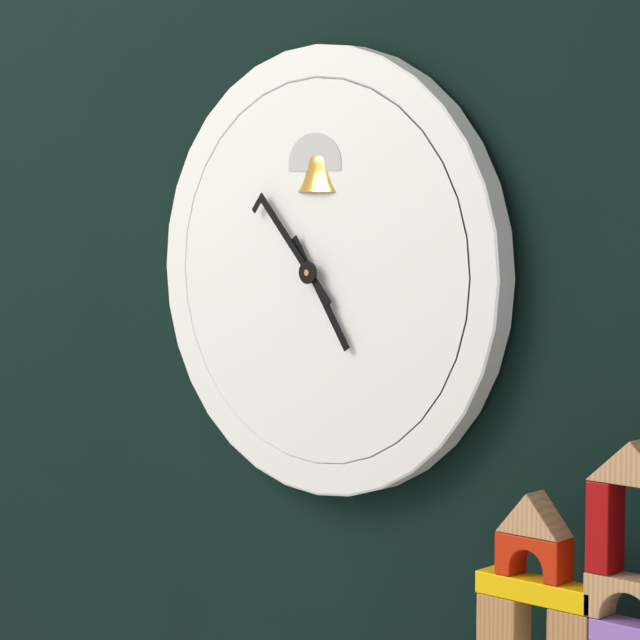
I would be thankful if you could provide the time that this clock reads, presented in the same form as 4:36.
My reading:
4:53
